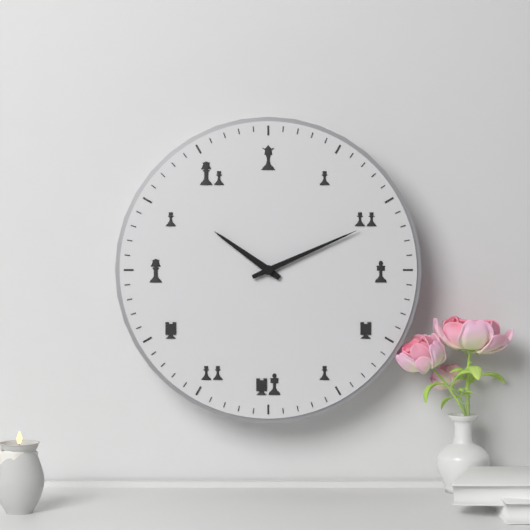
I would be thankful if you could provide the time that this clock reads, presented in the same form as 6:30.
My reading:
10:11
